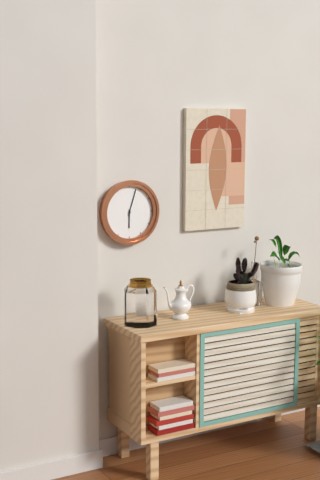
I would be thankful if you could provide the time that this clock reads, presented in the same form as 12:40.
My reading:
6:03
